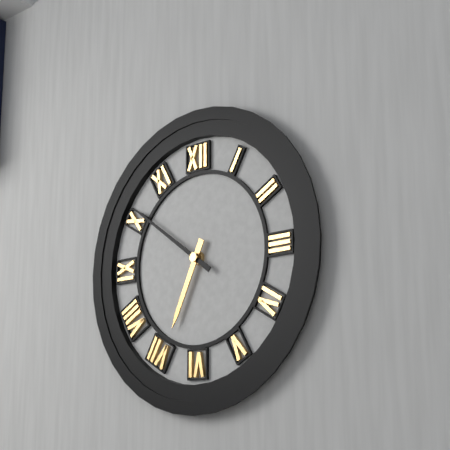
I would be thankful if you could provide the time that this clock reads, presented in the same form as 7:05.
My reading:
6:51
